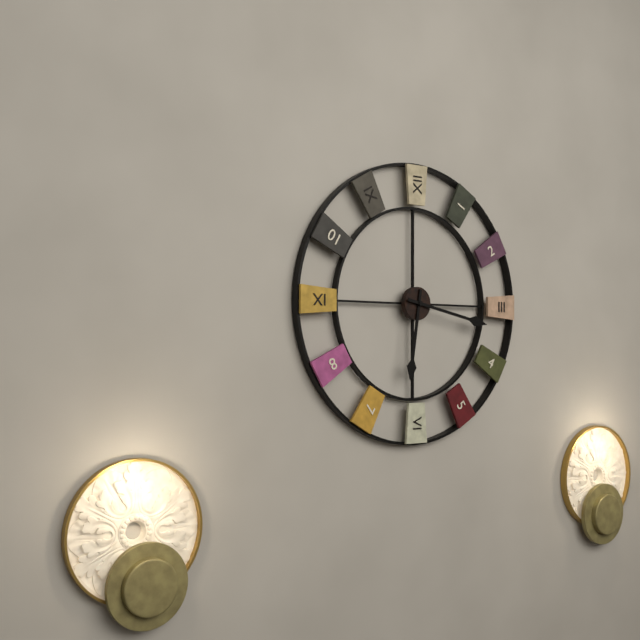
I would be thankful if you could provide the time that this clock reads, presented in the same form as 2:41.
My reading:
6:17
